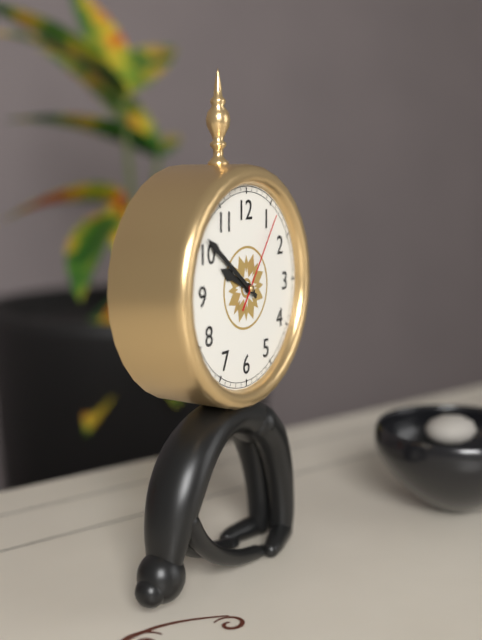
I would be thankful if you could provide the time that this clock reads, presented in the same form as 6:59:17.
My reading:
9:51:06
